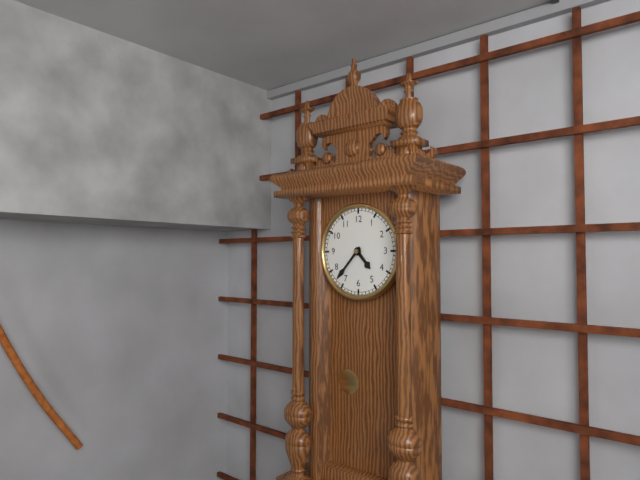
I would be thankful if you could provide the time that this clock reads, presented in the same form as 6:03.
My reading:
4:37
